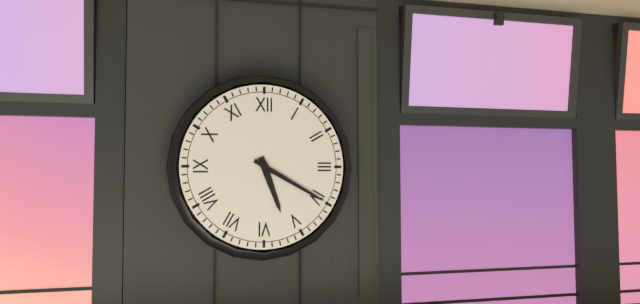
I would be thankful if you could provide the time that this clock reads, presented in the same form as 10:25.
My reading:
5:20
